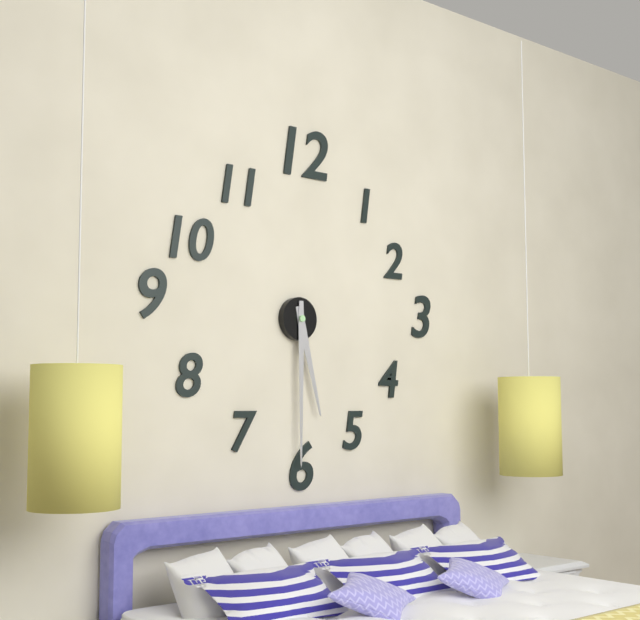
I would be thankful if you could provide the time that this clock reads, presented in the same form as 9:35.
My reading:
5:30
